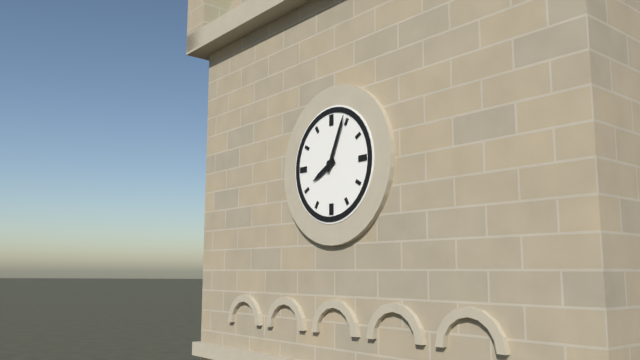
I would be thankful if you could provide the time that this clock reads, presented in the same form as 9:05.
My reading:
8:04
